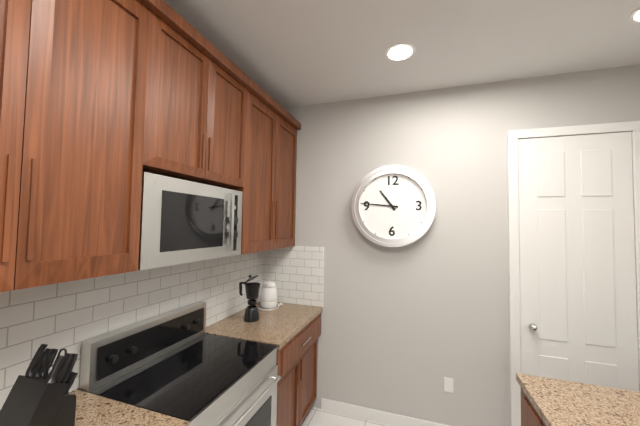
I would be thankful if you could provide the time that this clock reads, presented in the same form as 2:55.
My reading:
10:46
